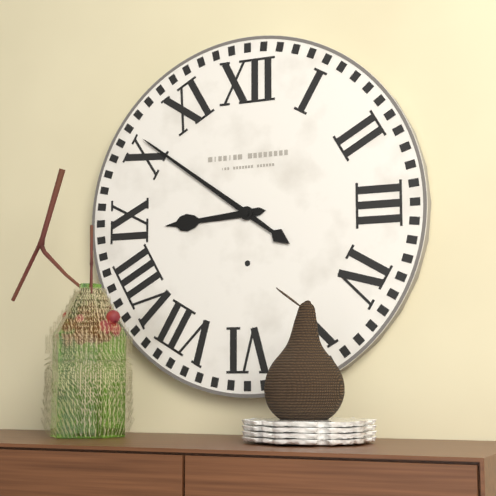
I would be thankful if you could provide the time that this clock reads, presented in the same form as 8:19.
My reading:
8:51
